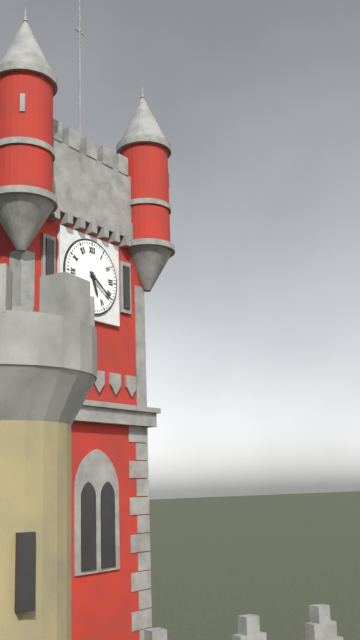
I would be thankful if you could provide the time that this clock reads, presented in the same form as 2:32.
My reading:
5:21
